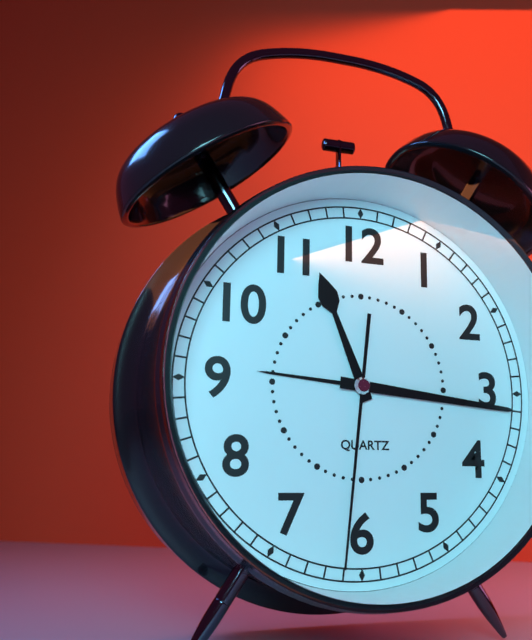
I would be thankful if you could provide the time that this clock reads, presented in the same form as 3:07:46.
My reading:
11:16:31
